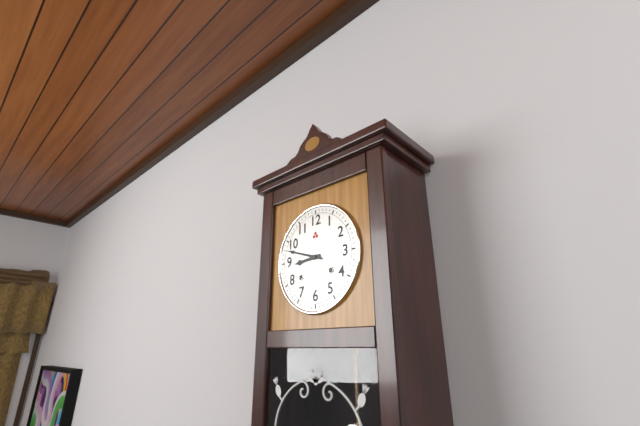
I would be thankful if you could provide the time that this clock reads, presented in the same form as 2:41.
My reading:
8:48
